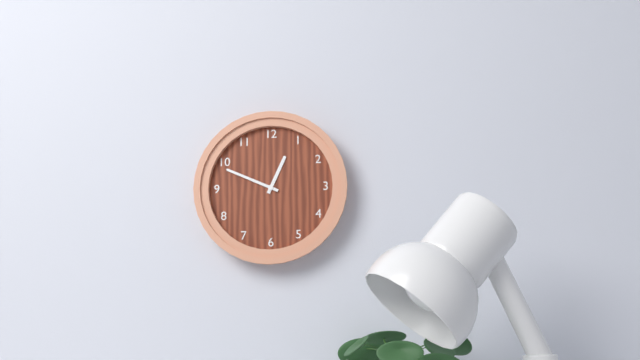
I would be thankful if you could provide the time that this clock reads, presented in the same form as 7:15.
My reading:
12:49
